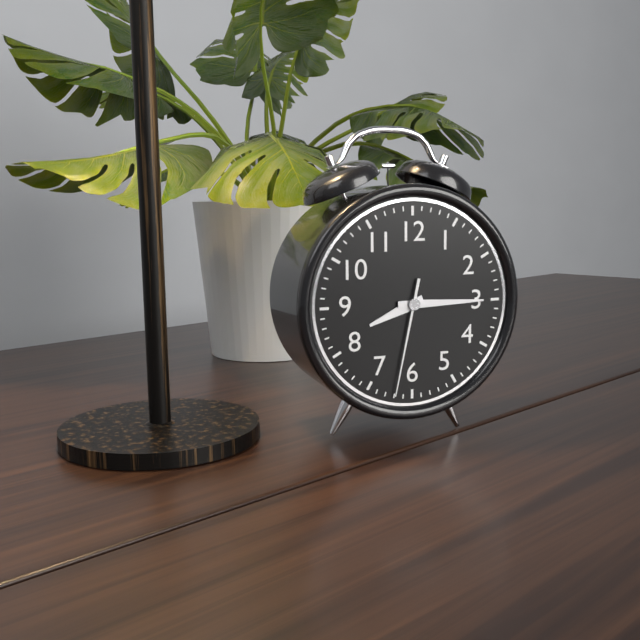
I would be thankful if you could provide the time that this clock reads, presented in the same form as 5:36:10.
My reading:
8:15:32
